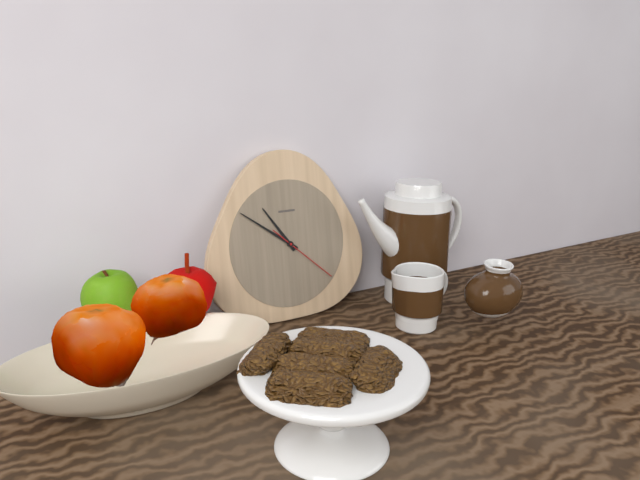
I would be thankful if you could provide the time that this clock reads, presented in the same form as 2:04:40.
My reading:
10:51:22
